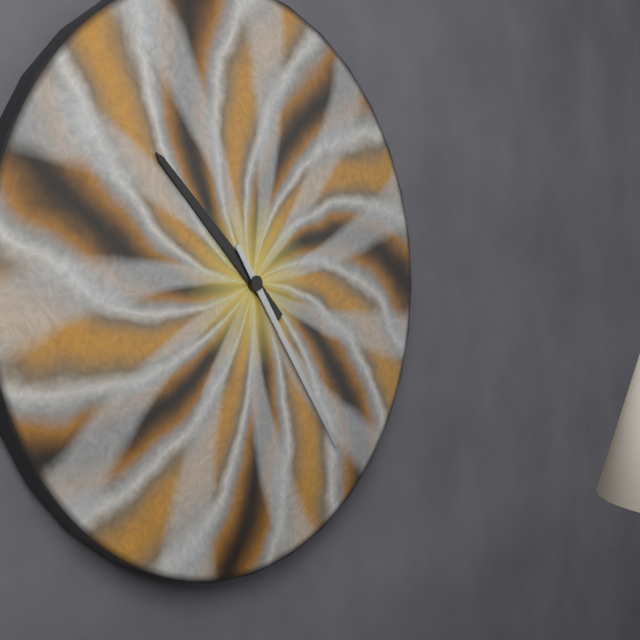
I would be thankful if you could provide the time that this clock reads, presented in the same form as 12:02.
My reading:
10:24
